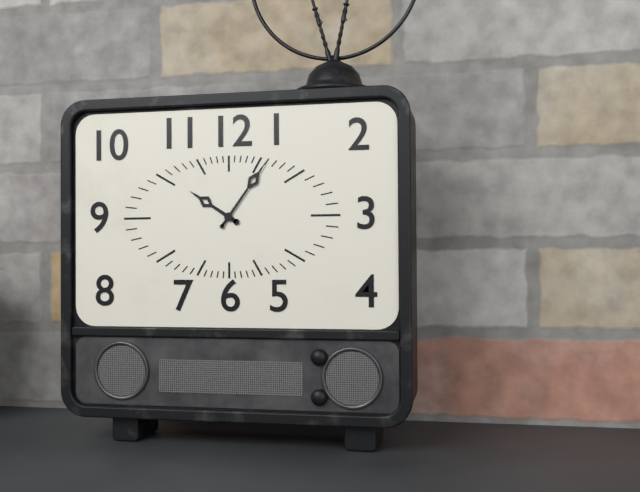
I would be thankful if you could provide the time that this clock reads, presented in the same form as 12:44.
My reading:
10:06
